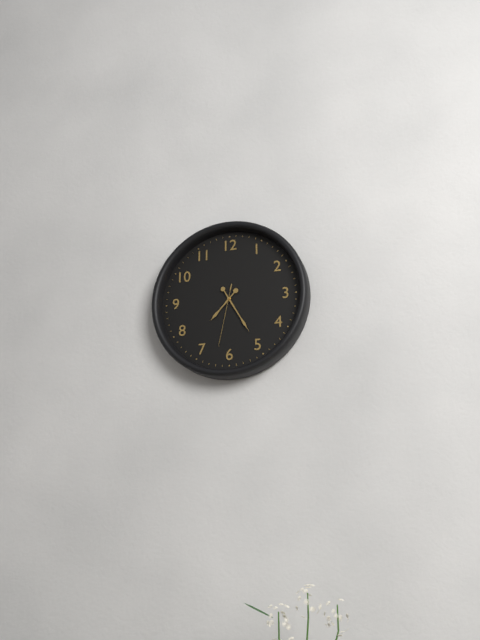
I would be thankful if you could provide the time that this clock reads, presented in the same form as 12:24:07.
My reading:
7:25:32
